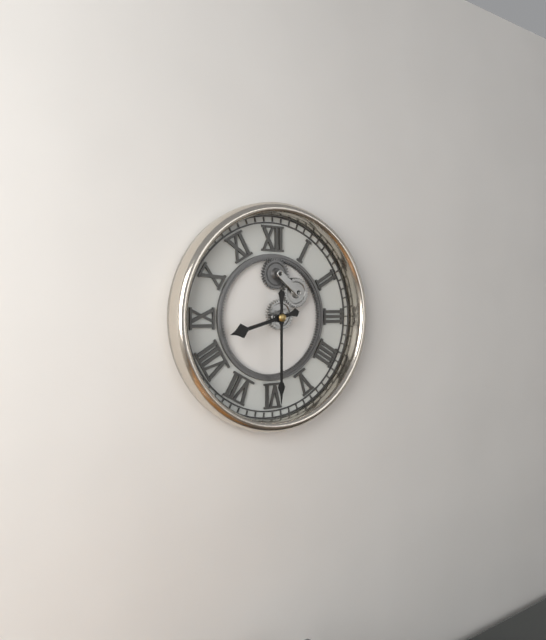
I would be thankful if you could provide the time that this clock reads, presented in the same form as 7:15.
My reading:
8:30
